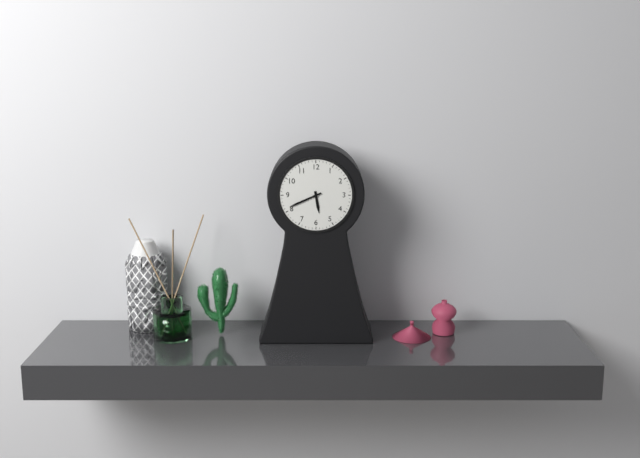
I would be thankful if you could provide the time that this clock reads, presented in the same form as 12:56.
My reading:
5:41
